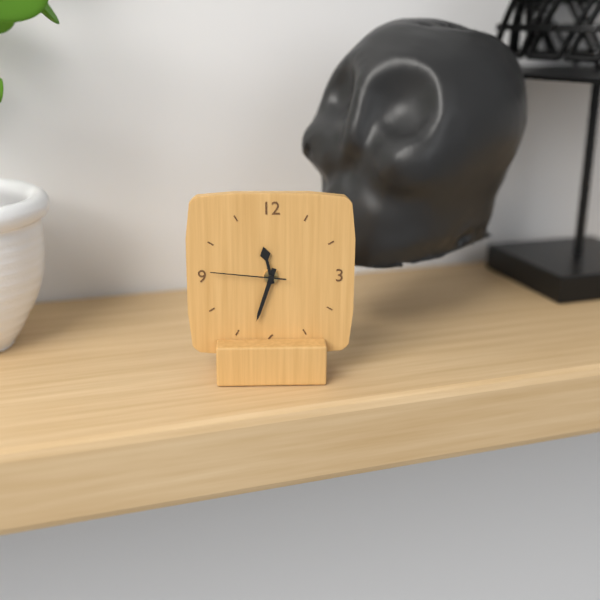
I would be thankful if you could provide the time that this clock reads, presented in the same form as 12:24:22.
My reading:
11:33:46
